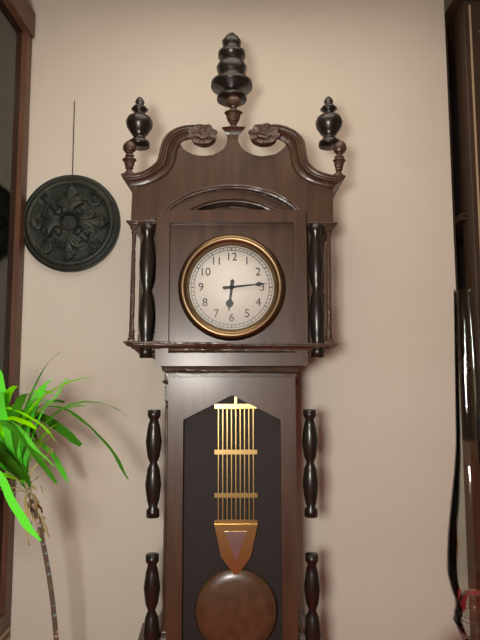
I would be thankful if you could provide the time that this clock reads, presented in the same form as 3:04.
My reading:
6:14
